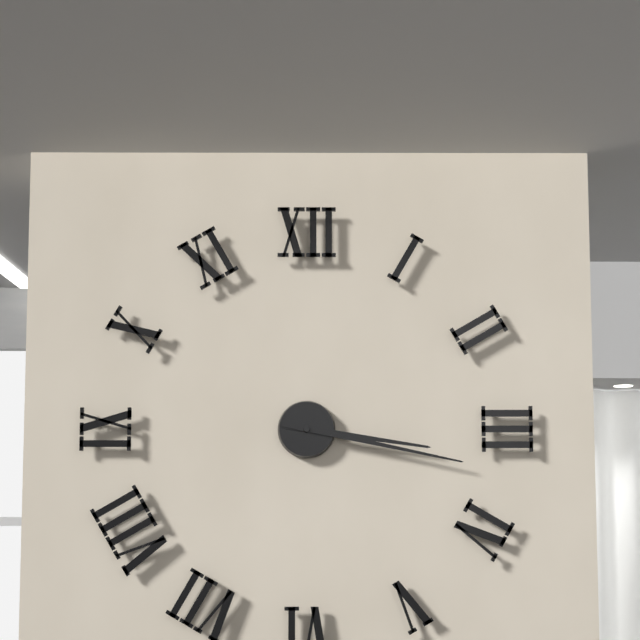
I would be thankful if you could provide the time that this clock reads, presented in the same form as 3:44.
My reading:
3:17
